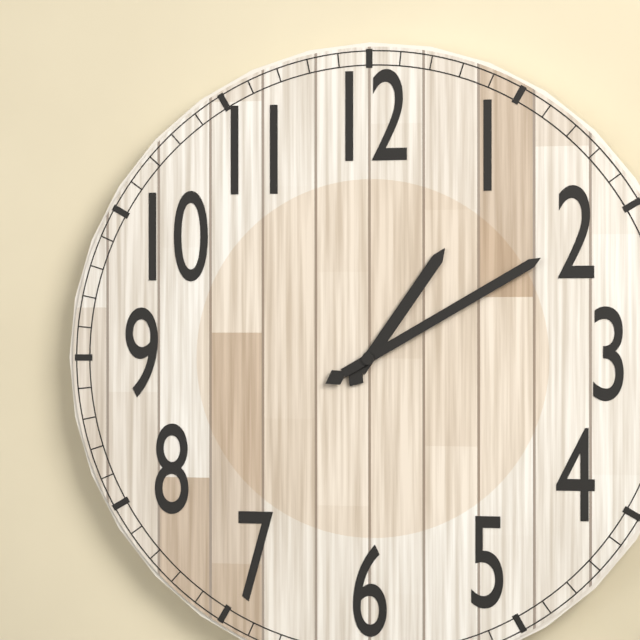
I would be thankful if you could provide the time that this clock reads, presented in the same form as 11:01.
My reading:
1:10
